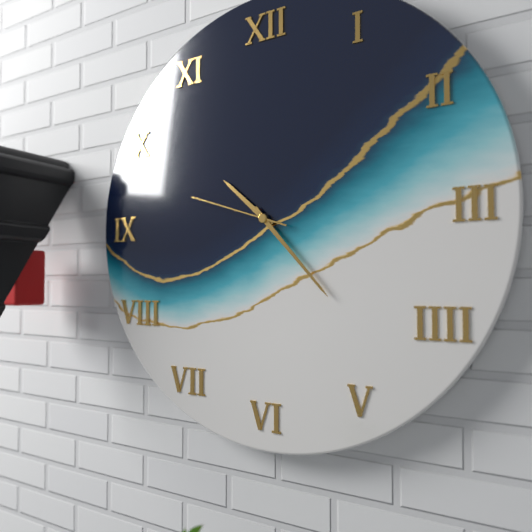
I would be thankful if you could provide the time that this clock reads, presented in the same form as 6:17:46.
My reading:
10:23:48
